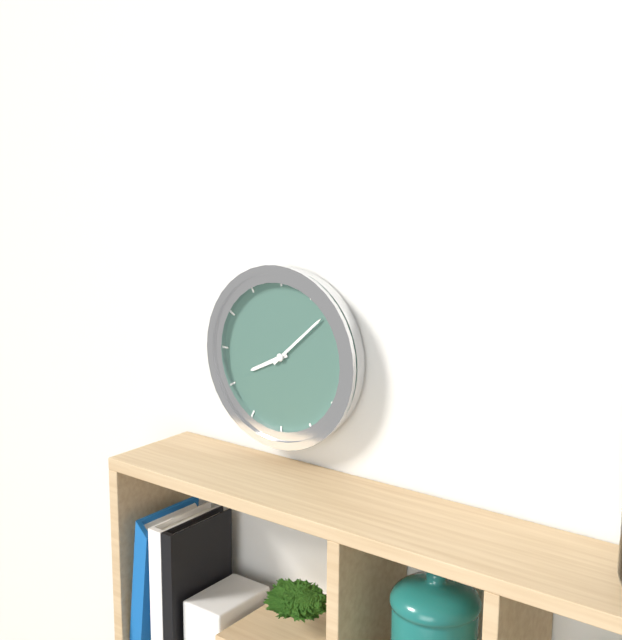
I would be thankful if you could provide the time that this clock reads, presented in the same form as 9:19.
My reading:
8:08
